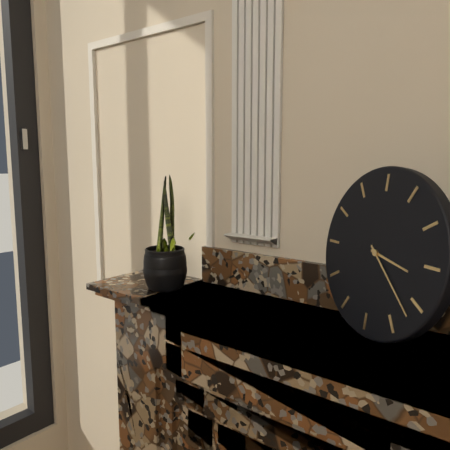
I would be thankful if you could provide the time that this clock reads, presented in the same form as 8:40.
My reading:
3:22
